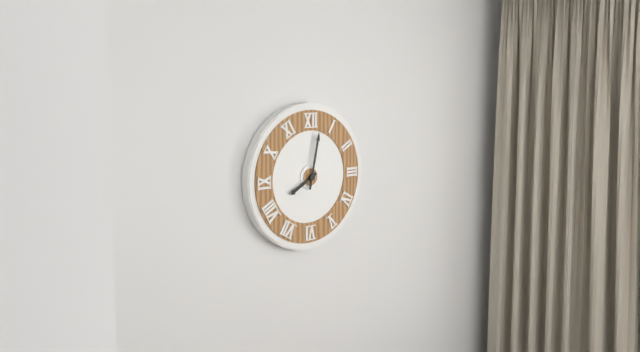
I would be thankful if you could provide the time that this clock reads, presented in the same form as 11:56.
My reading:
8:02
